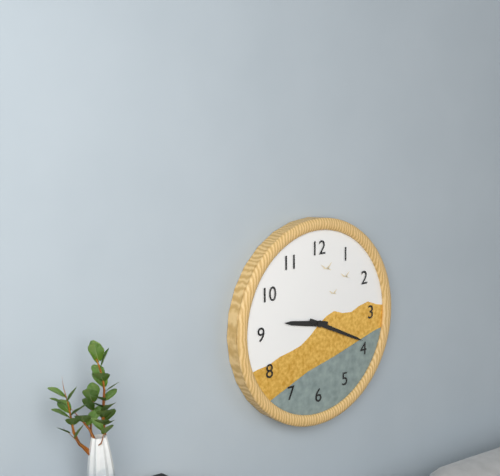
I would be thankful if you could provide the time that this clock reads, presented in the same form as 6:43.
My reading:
9:19
